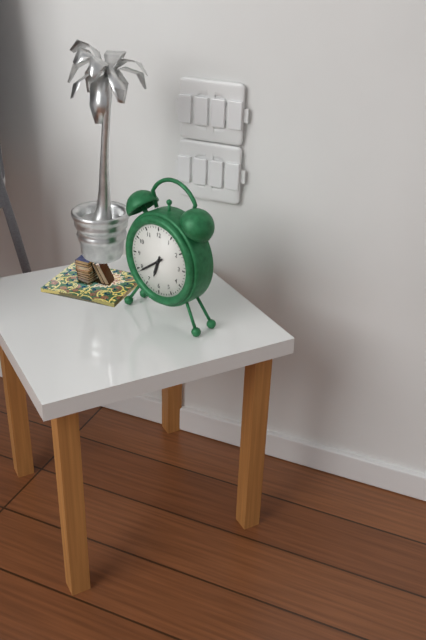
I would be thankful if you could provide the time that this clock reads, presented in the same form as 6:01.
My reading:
6:39
